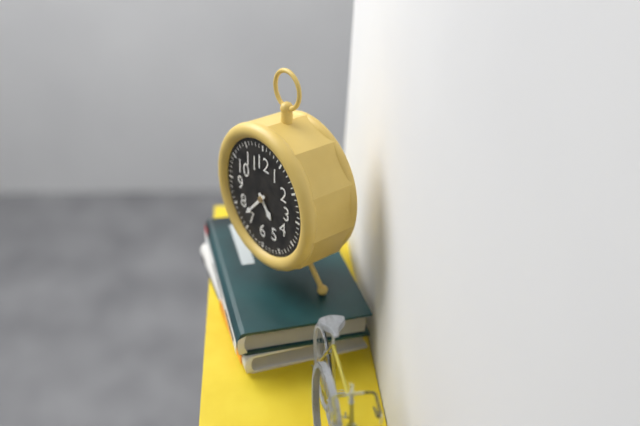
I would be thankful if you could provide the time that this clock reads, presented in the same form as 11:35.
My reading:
4:37
